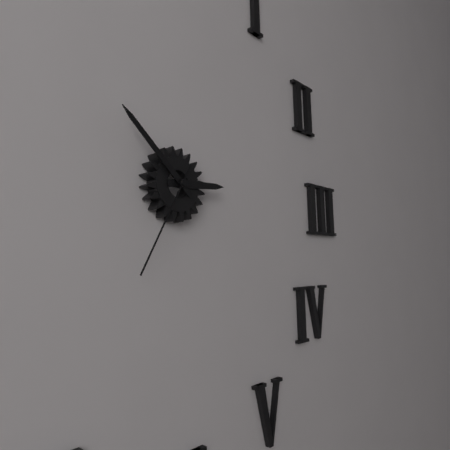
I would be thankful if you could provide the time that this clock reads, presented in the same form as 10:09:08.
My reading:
2:52:35
